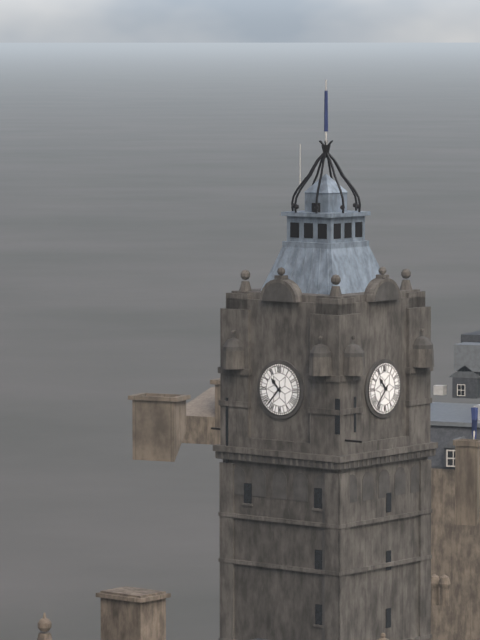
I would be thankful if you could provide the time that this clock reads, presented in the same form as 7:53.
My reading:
10:37
